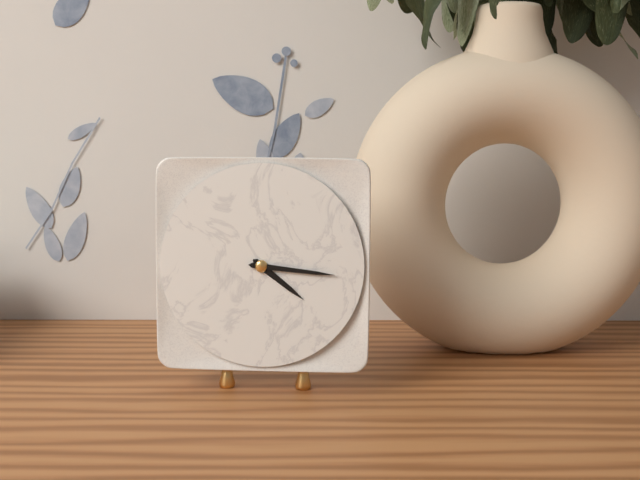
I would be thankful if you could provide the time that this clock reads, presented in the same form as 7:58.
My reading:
4:16
